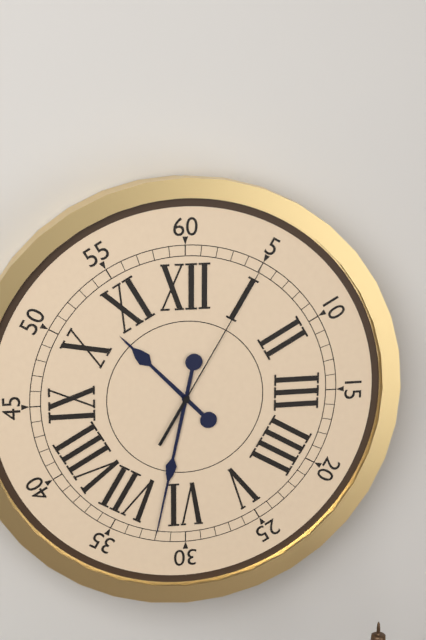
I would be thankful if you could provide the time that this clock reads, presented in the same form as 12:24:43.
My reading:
10:32:05
